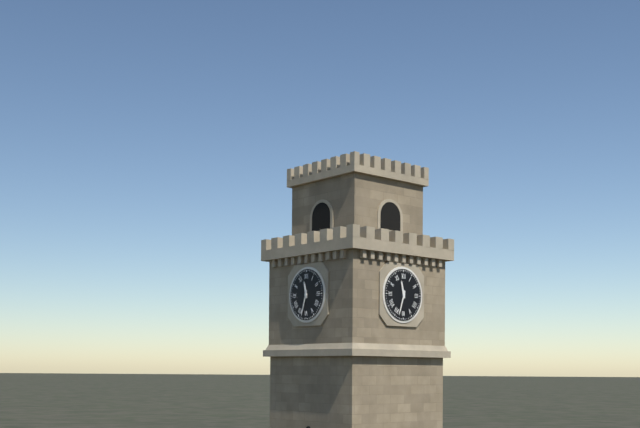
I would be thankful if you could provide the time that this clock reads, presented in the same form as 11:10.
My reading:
11:33
